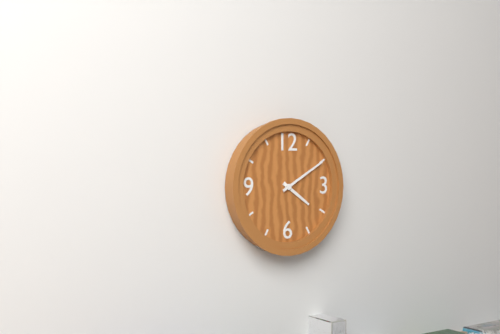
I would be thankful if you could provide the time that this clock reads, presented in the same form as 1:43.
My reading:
4:10
